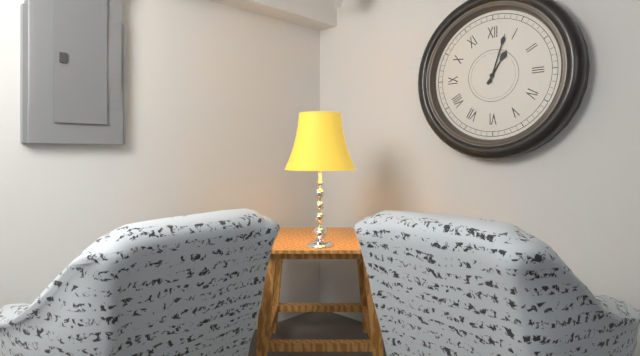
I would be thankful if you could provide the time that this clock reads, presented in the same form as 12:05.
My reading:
1:03
